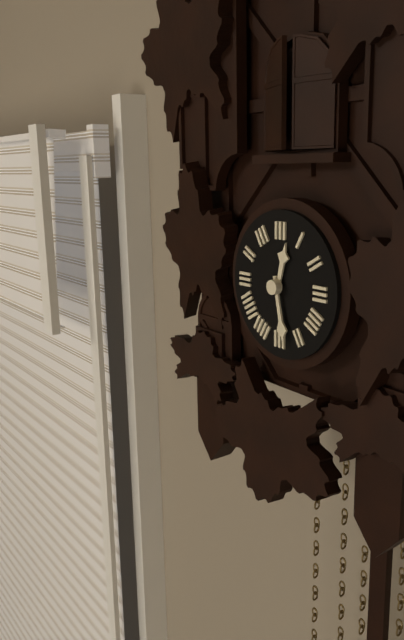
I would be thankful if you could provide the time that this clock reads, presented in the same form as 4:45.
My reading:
12:28
